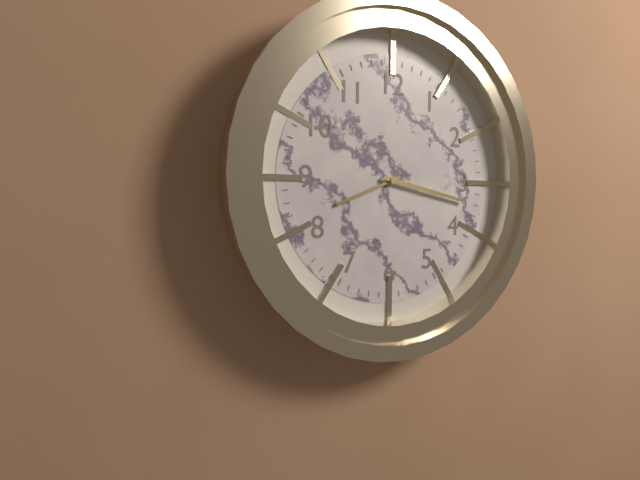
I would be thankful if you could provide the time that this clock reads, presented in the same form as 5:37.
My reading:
8:17
